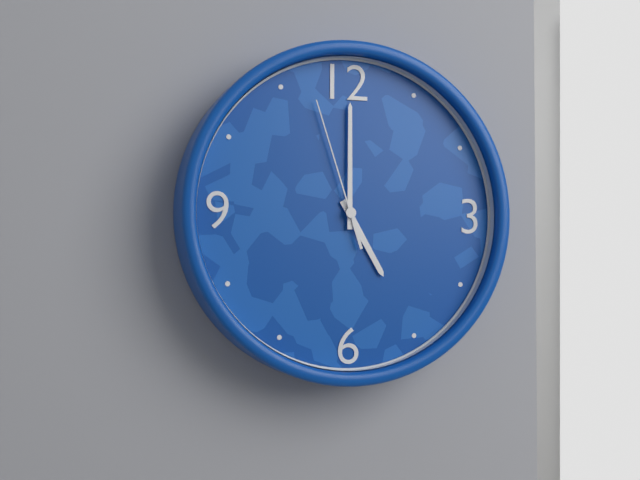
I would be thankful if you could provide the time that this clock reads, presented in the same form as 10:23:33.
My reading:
5:00:57
